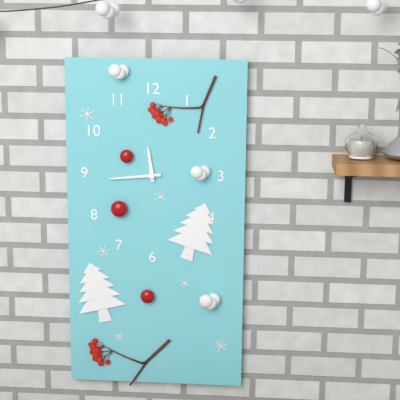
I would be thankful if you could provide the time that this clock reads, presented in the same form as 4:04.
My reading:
11:44
